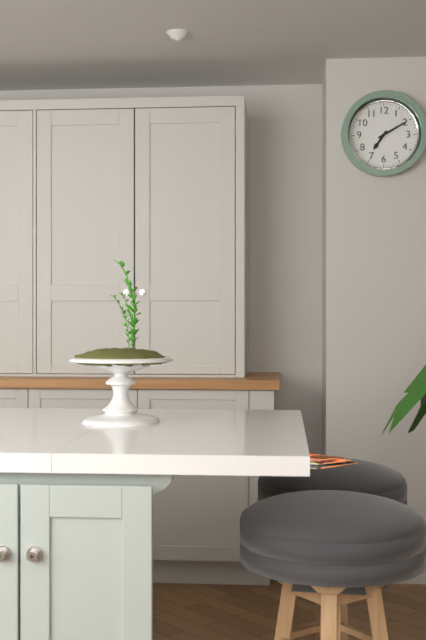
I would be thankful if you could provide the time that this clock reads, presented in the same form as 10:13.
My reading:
7:10
